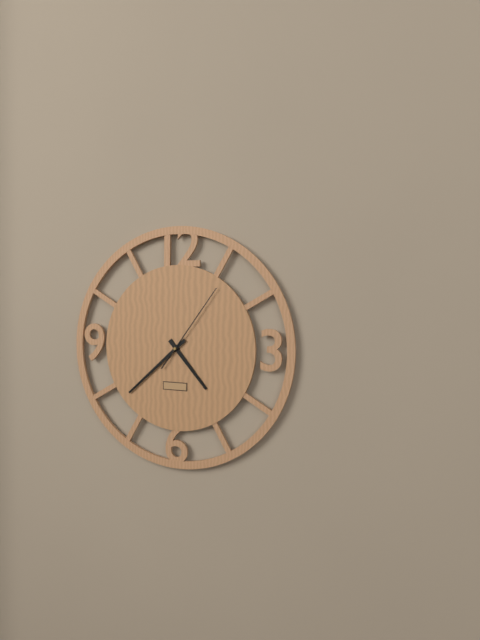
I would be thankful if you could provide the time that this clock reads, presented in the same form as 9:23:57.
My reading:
4:38:06
